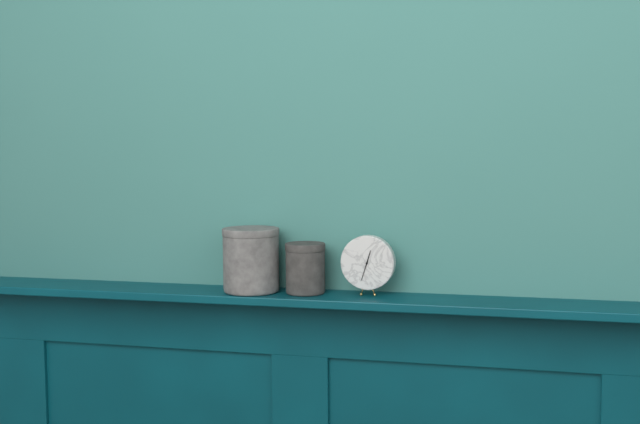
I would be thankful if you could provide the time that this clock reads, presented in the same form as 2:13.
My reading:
12:33
